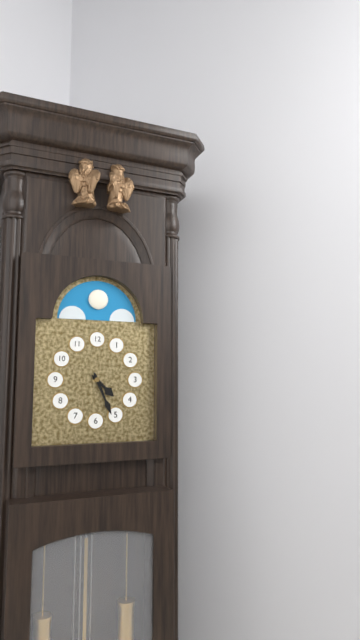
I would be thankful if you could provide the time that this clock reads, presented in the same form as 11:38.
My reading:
4:26
